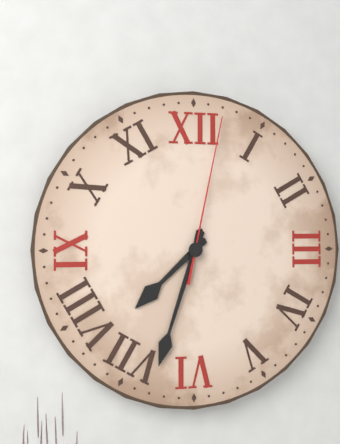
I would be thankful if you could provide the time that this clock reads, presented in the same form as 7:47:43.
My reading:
7:33:02
